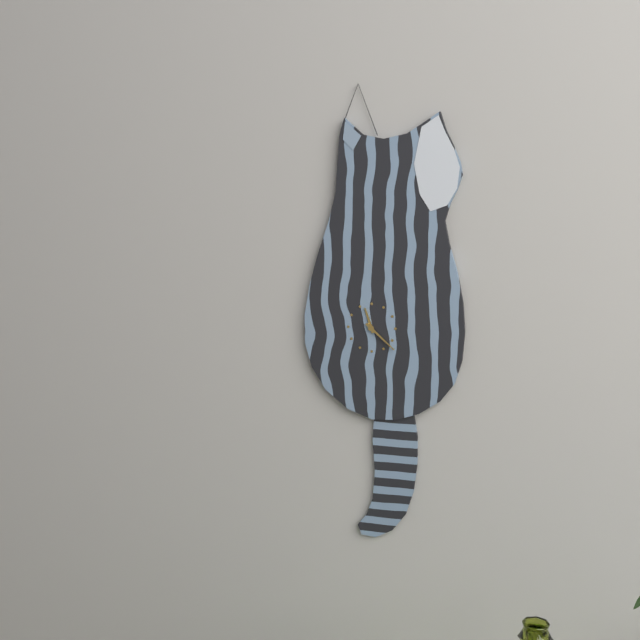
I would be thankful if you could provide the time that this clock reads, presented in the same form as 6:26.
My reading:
11:22
